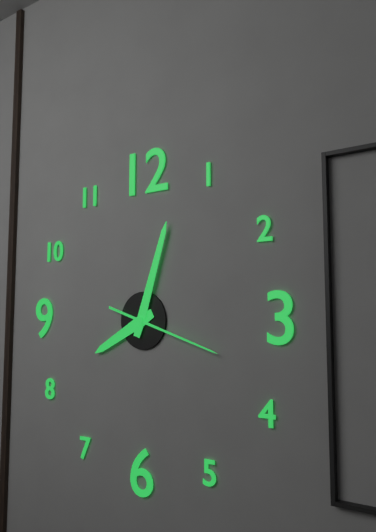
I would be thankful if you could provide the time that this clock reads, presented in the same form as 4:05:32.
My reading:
8:03:18
